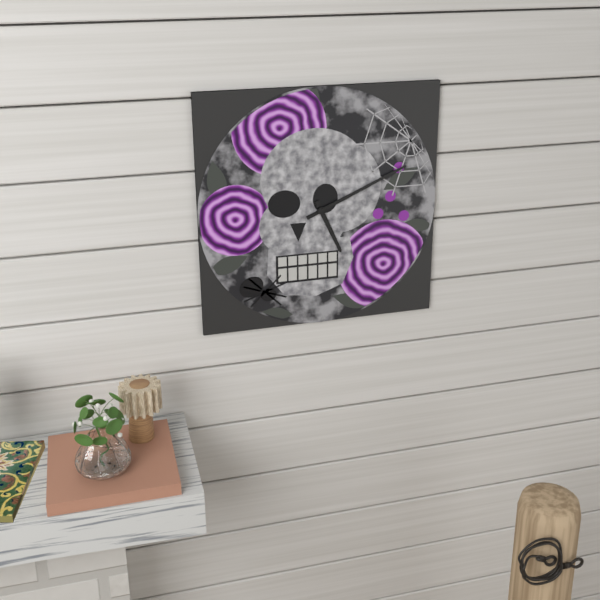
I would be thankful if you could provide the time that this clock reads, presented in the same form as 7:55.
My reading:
5:11
